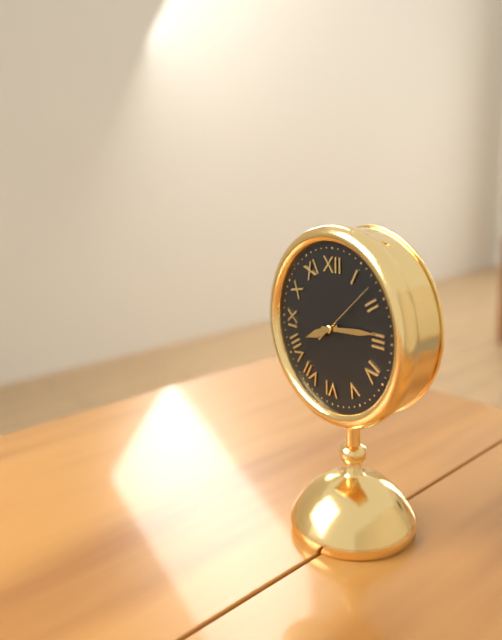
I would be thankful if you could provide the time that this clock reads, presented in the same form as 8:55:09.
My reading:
8:14:08
